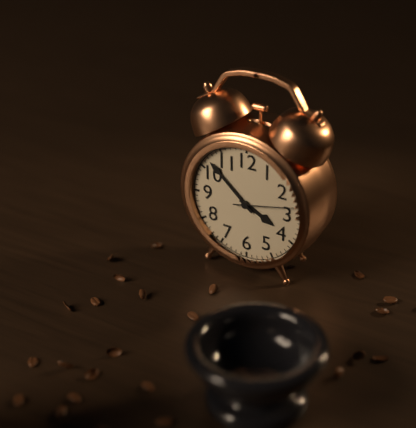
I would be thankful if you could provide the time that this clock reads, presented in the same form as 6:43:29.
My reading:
3:52:13
